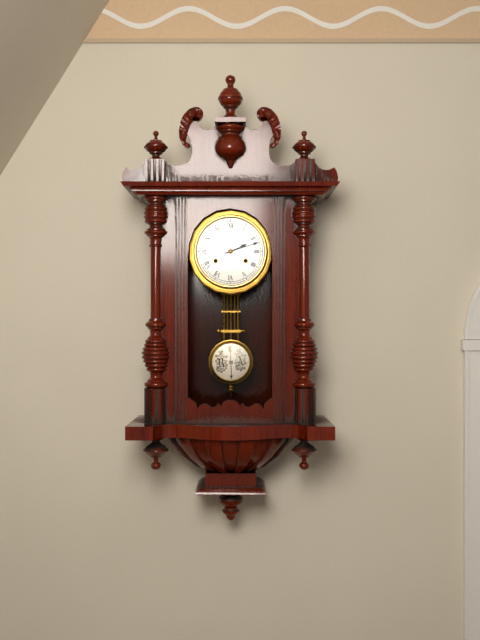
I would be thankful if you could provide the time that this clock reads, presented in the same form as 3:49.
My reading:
2:12
